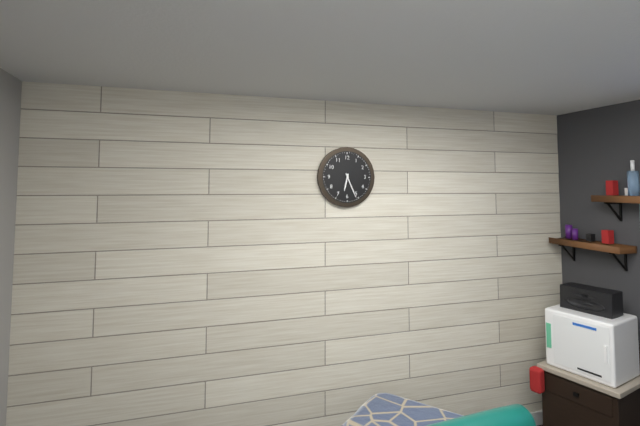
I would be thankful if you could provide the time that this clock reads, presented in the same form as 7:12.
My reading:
6:26
